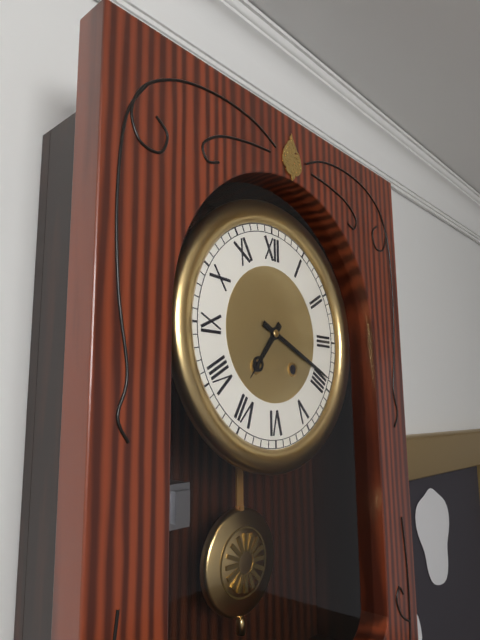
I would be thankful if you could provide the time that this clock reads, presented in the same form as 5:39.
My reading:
7:19
